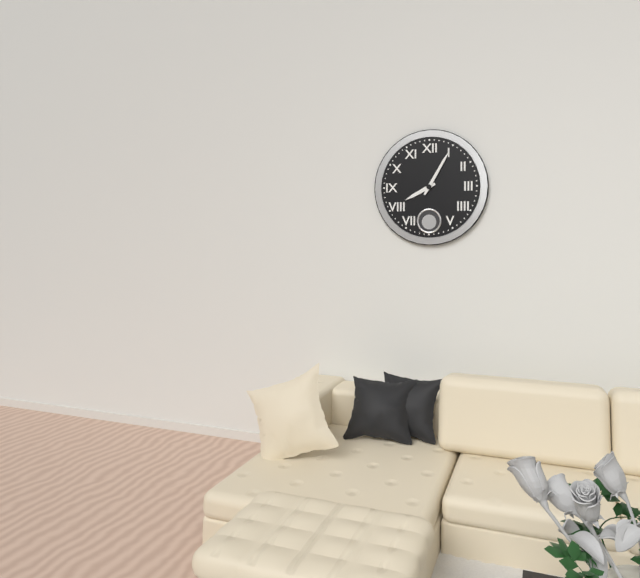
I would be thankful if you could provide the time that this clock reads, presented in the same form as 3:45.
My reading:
8:05
